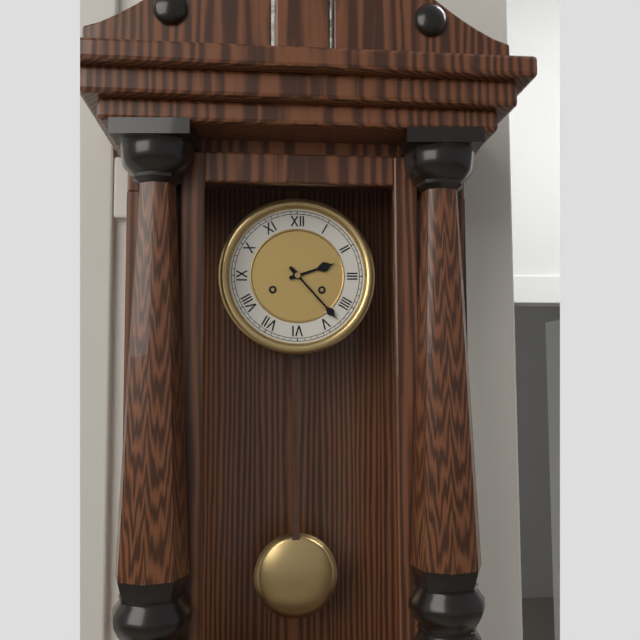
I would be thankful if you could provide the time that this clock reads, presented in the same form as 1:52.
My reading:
2:23
